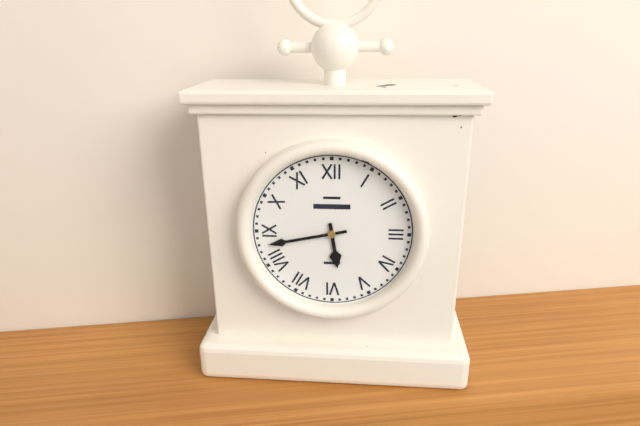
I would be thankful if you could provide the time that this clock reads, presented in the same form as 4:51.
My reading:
5:43
